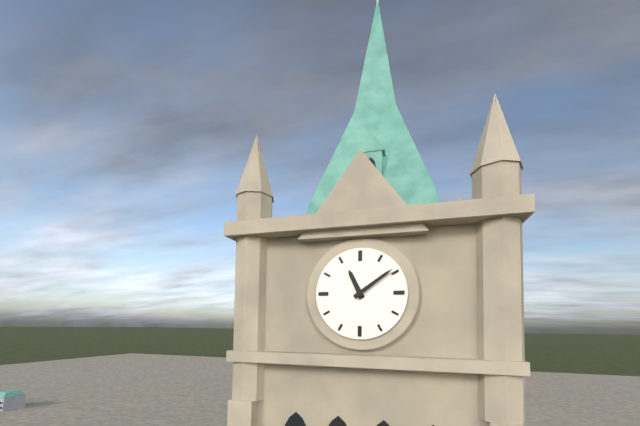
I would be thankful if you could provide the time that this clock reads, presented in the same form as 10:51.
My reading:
11:09
